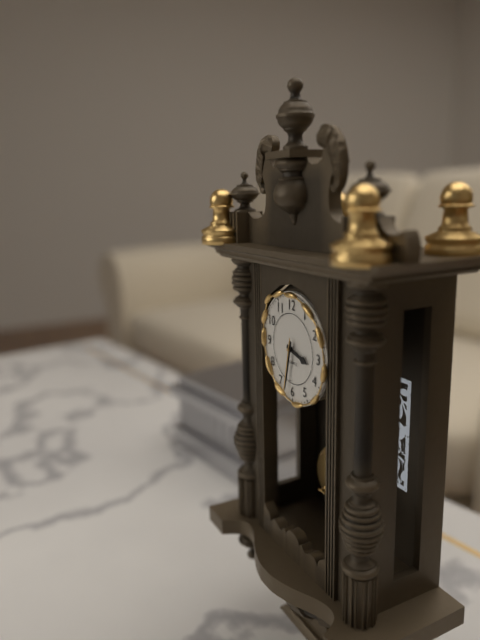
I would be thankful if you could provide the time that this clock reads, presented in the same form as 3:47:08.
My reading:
3:32:32
